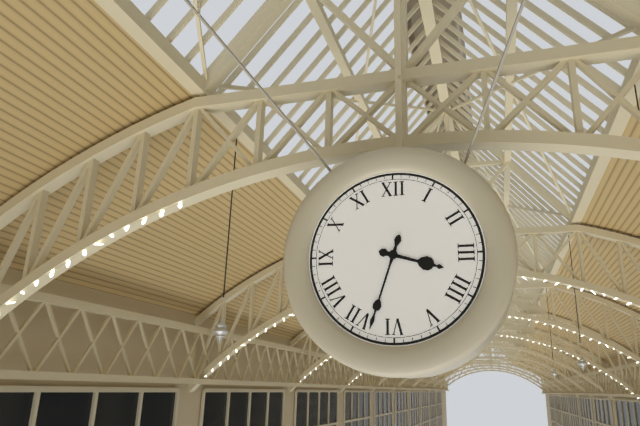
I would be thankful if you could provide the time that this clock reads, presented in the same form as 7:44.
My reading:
3:33
